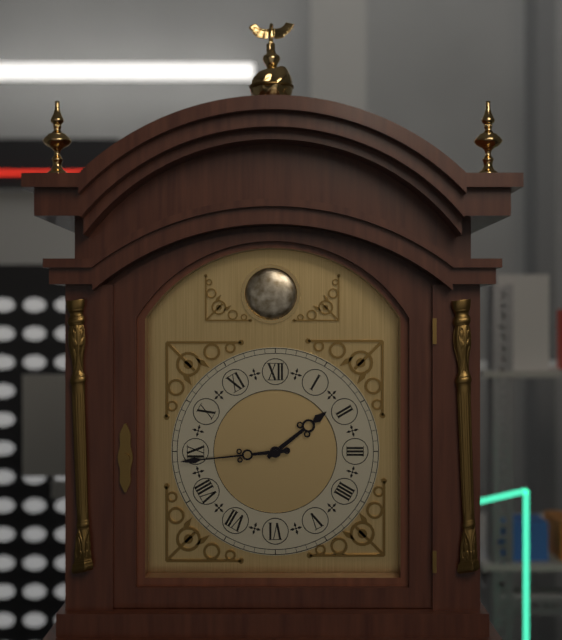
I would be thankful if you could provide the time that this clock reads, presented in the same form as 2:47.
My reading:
1:44
